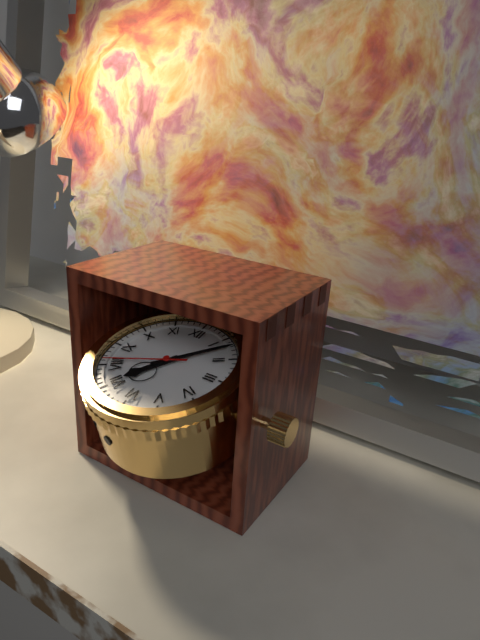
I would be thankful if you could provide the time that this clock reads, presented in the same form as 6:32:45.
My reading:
7:07:41
